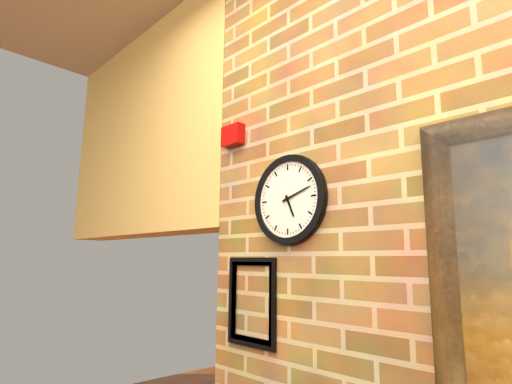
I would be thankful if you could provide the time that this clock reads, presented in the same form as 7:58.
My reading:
5:12
